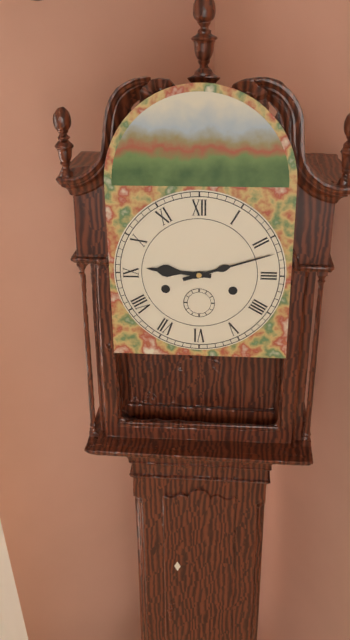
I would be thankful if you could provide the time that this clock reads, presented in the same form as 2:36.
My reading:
9:12
